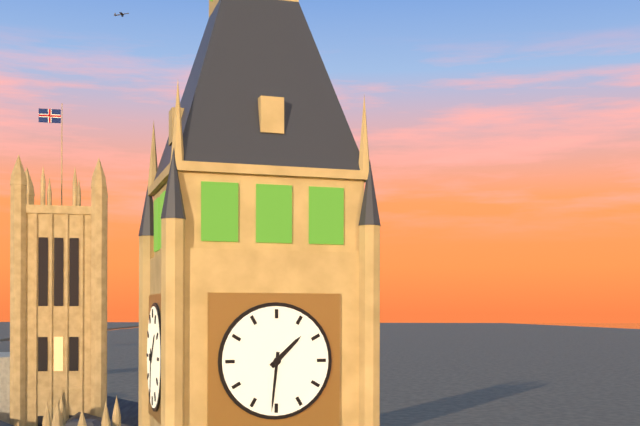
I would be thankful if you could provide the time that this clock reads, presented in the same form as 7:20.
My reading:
1:31
